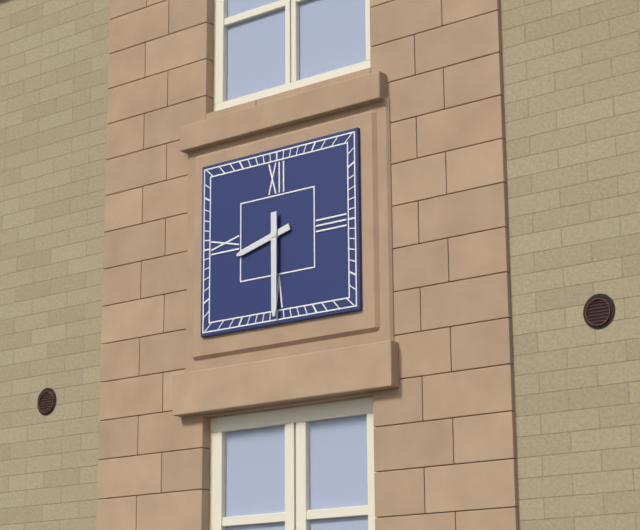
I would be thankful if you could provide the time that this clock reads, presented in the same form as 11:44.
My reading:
8:30
